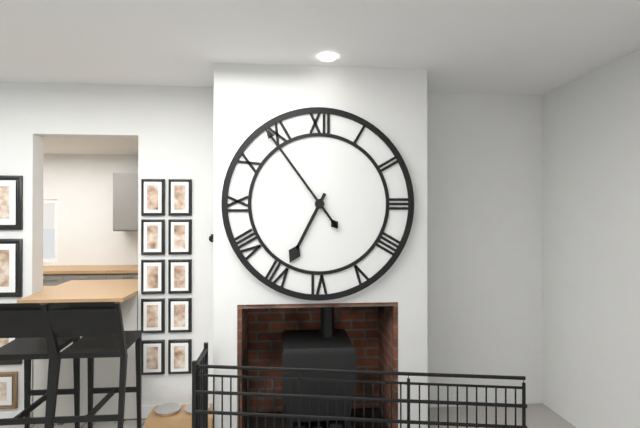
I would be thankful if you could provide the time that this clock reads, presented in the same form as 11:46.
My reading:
6:54
